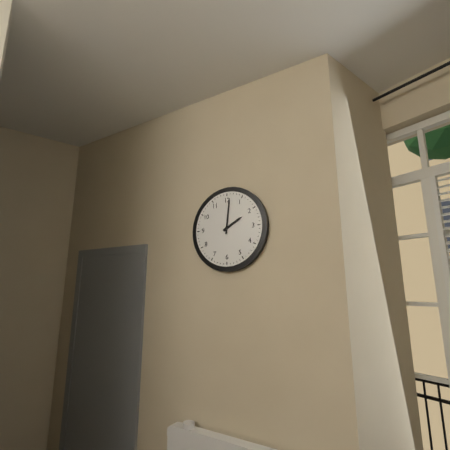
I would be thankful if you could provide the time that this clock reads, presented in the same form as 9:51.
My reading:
2:01
